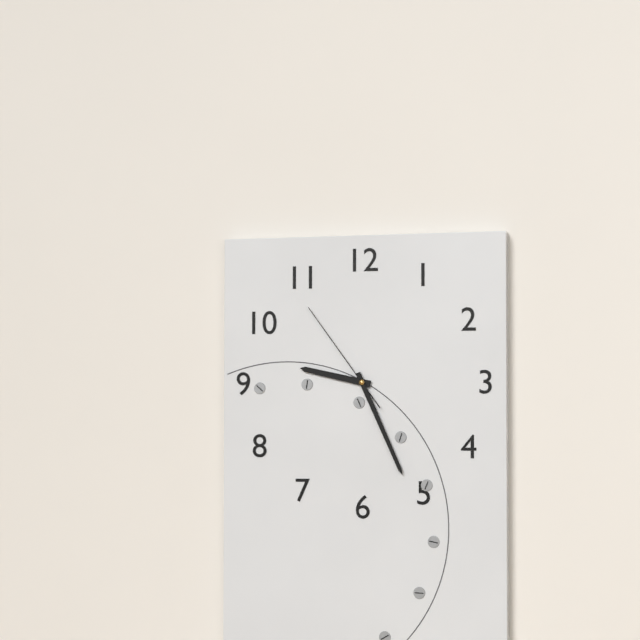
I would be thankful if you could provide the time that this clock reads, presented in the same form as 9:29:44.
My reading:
9:26:54
